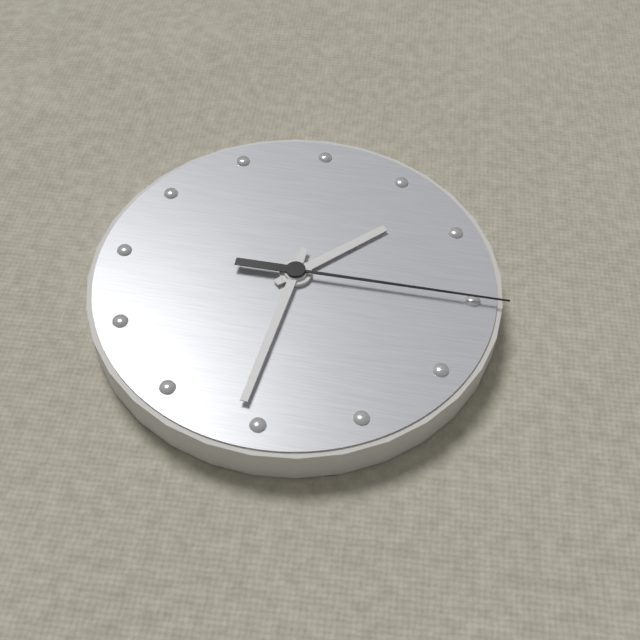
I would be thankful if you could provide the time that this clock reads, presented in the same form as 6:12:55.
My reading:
1:31:15
